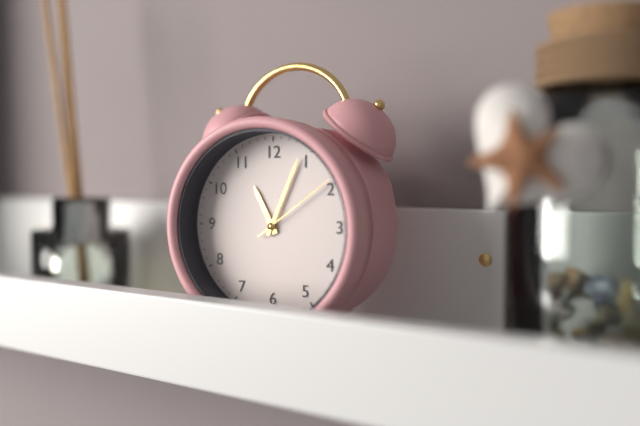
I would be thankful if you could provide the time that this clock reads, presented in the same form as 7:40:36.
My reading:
11:04:09
